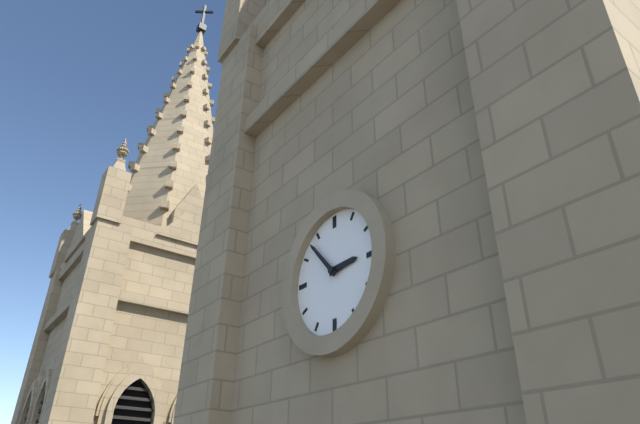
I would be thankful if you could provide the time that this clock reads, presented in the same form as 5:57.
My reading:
2:53
